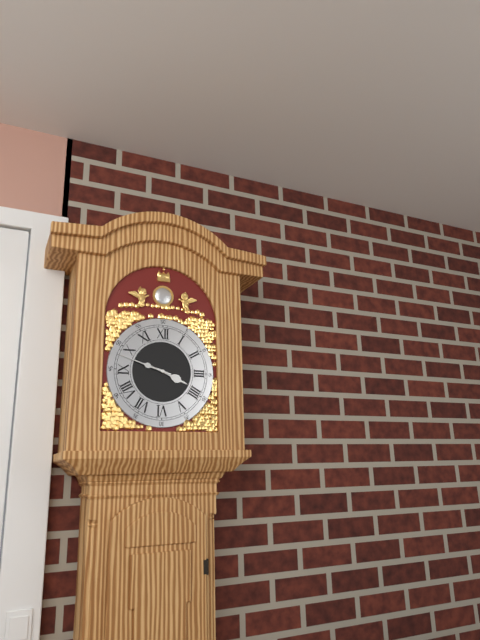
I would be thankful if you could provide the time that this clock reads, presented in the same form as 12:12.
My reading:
3:48
